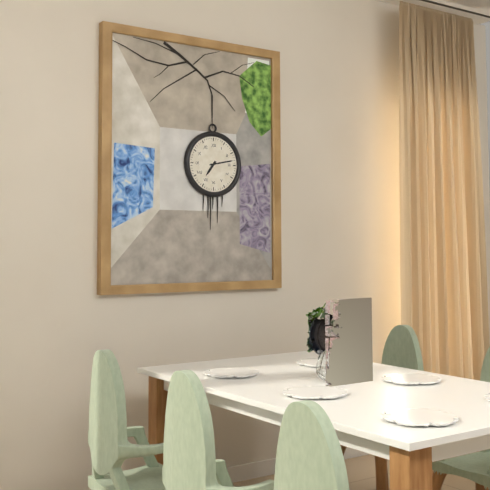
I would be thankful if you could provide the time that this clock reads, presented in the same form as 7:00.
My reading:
7:13
